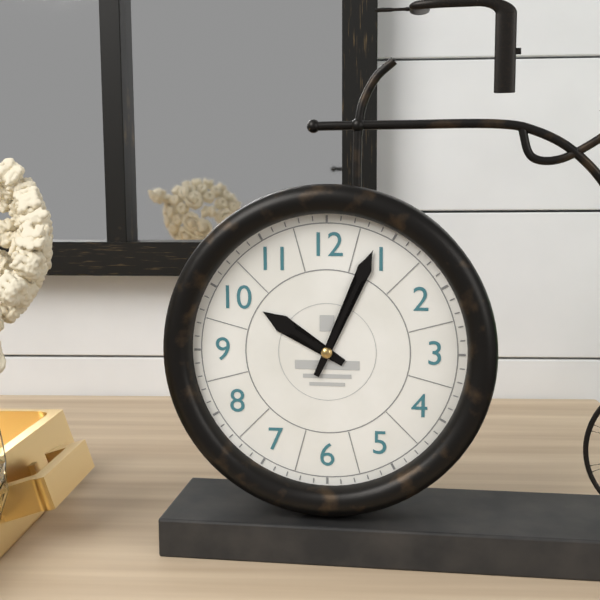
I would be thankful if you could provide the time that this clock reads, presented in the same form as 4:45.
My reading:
10:04
